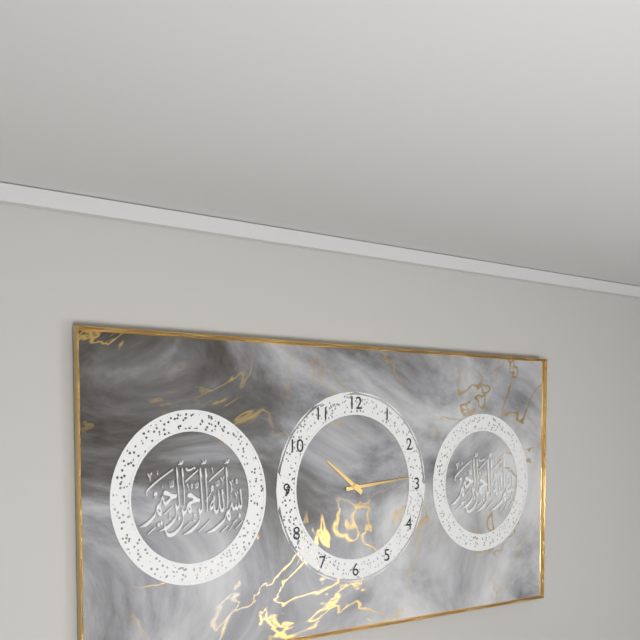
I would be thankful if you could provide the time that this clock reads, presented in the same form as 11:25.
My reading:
10:14
